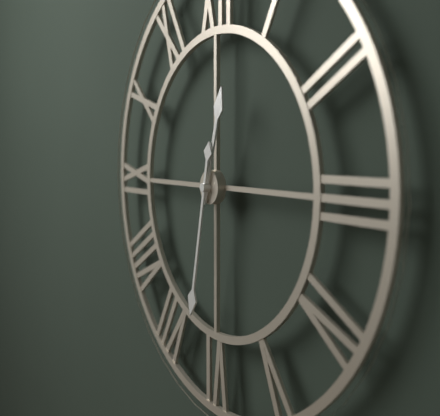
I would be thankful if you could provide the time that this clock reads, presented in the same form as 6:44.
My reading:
12:32
